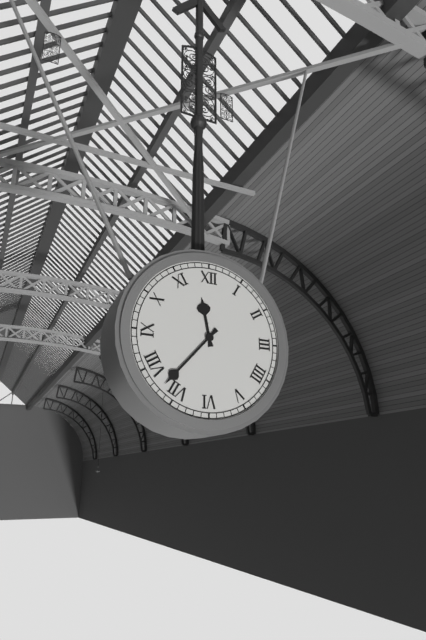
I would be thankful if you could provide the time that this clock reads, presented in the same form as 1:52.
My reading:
11:37
